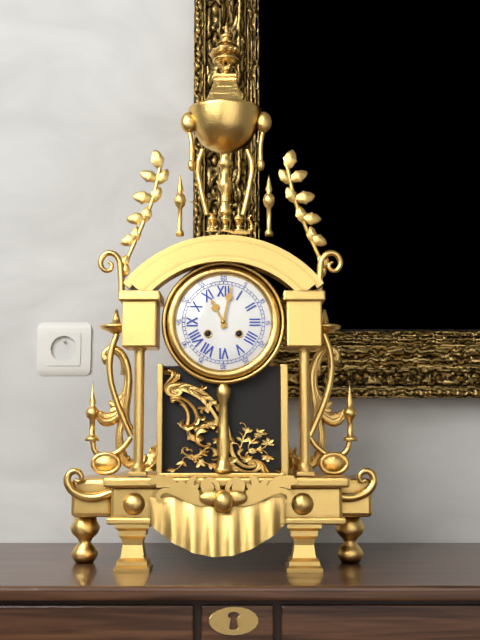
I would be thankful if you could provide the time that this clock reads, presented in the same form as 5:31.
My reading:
11:02
